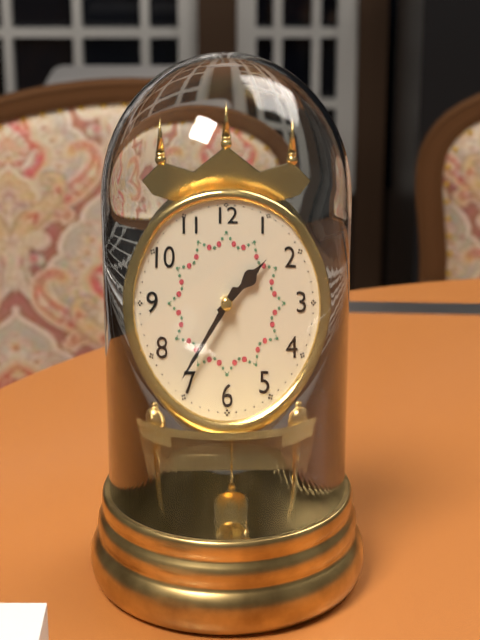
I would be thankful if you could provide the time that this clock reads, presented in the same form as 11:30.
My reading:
1:36
